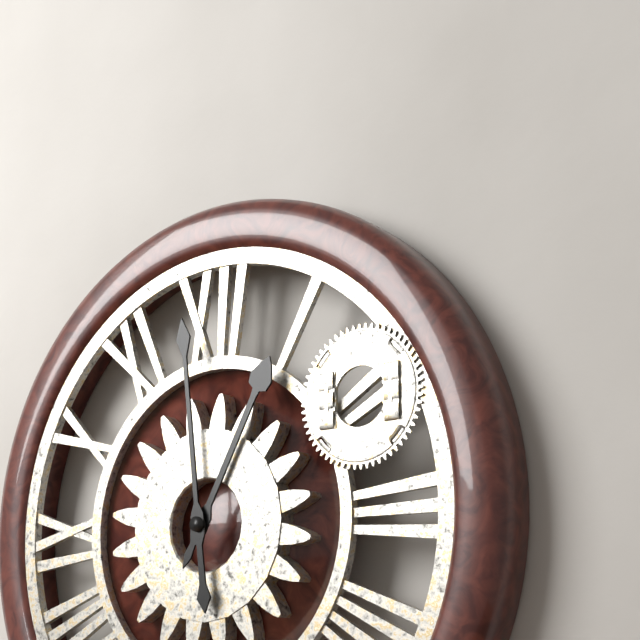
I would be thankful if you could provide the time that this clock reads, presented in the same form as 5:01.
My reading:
12:59
